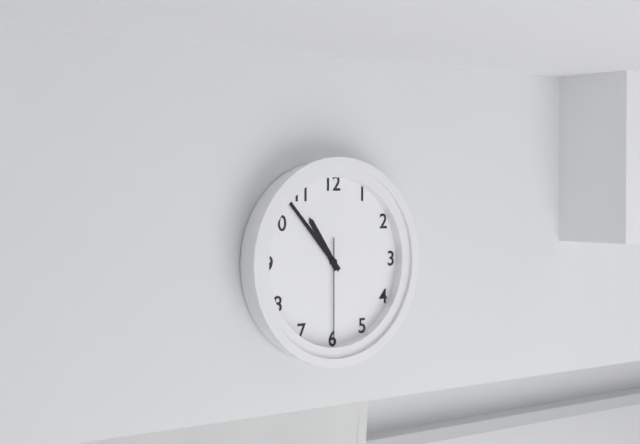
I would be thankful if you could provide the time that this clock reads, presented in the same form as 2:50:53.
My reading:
10:53:30
